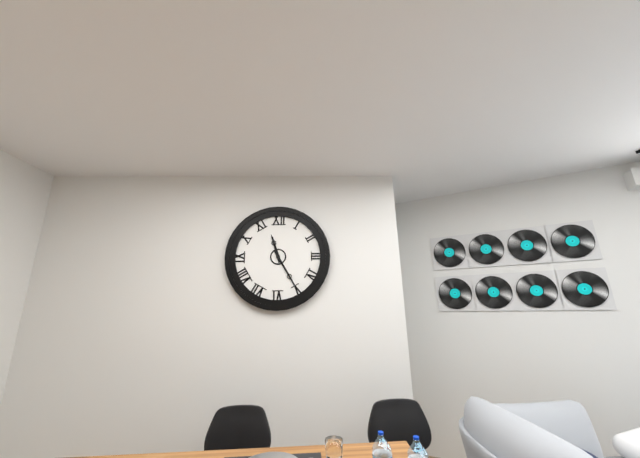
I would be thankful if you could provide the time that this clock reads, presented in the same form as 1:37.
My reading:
11:25
